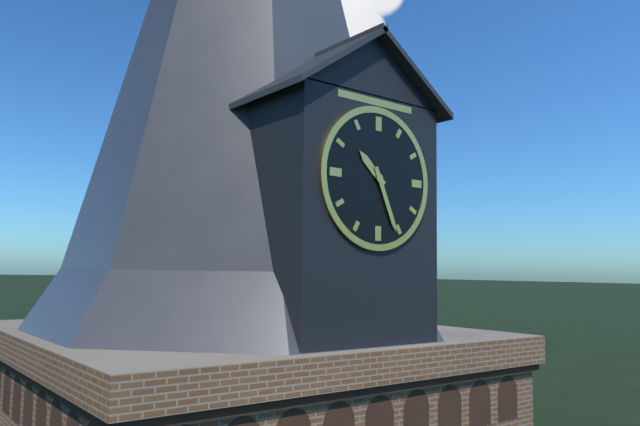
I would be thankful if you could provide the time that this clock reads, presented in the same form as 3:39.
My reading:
10:26
